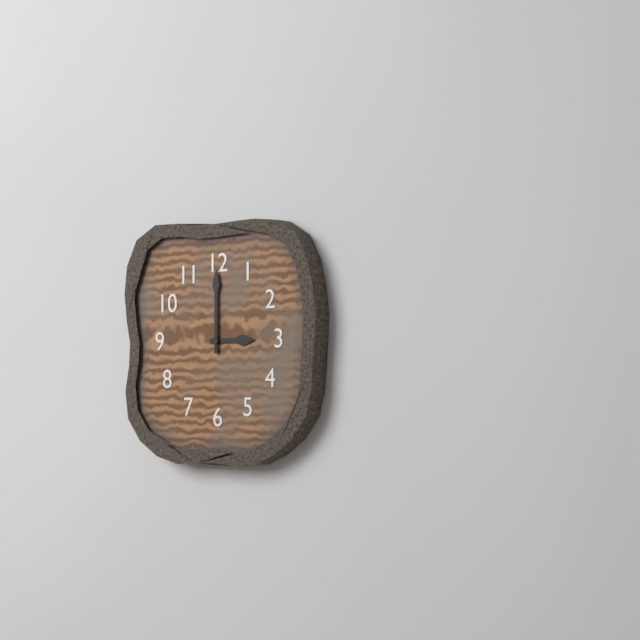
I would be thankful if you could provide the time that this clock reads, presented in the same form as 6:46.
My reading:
3:00
